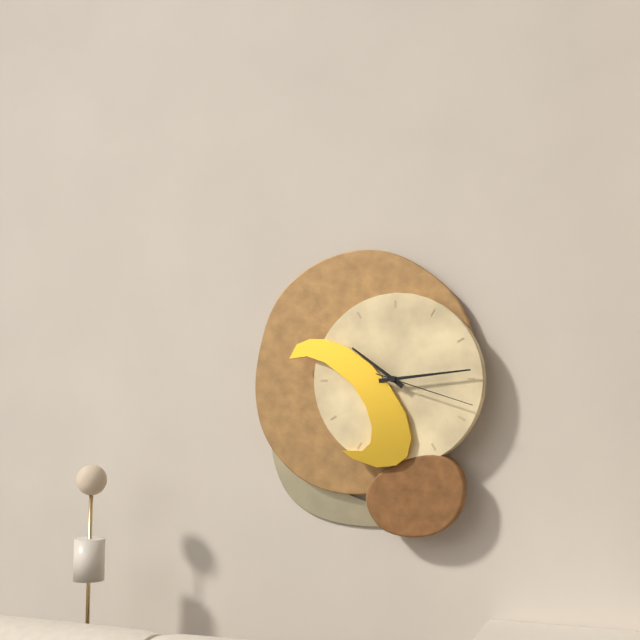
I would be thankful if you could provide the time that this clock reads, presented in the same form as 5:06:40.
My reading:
10:14:18
